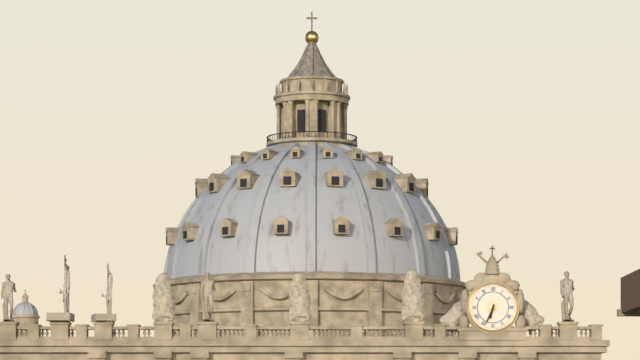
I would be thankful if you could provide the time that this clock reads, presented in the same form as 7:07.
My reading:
6:34
